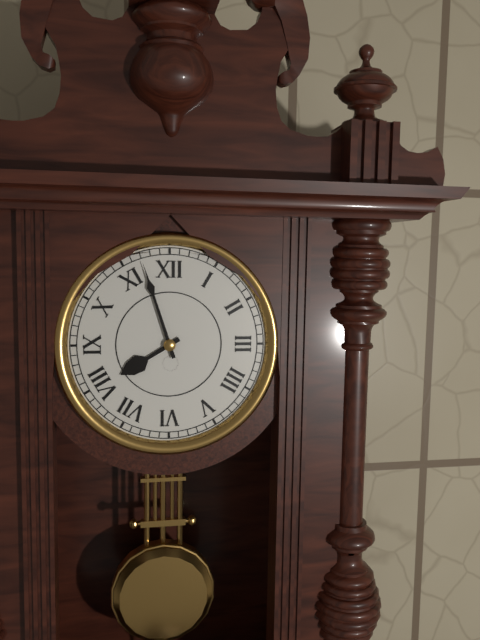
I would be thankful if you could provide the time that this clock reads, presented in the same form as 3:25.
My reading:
7:57
